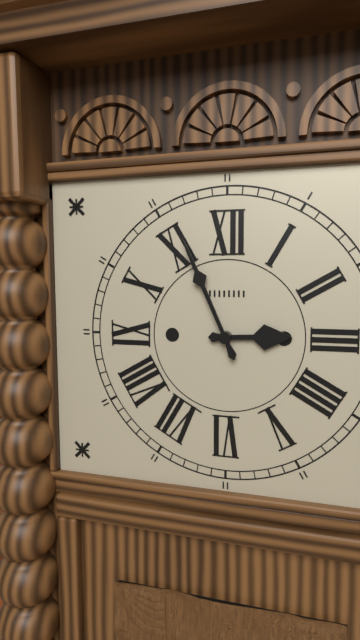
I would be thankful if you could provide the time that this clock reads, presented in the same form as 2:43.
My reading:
2:56
